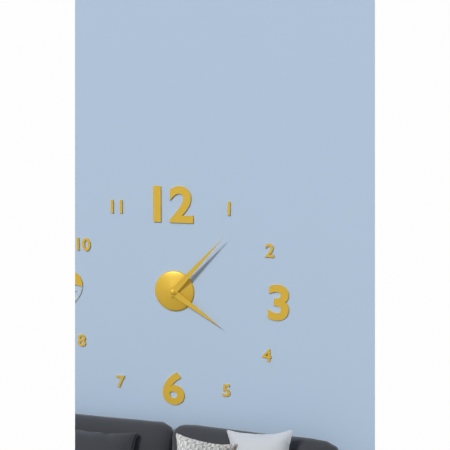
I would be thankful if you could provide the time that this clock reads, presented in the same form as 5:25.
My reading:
4:07
